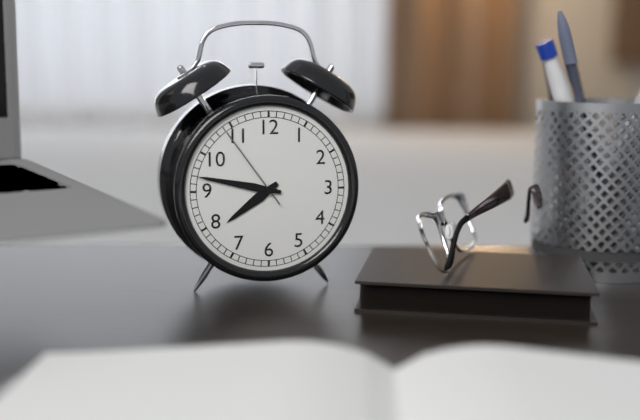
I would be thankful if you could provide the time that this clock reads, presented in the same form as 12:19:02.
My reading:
7:47:54
